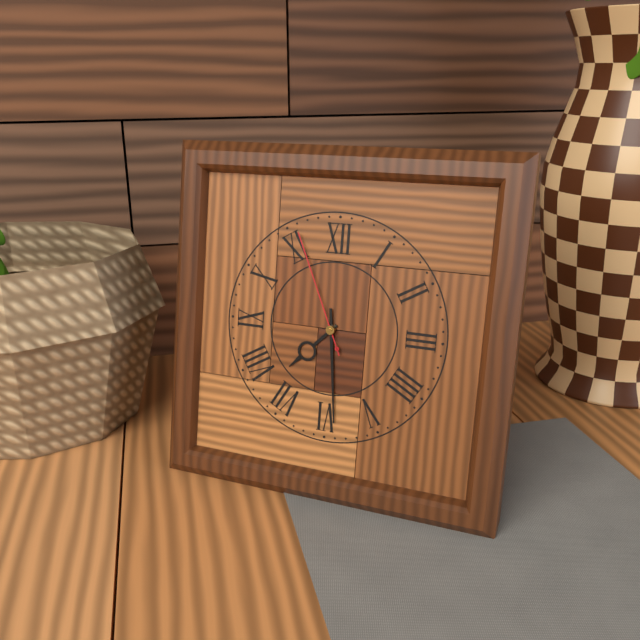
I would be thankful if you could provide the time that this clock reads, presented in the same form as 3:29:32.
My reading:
7:29:56
